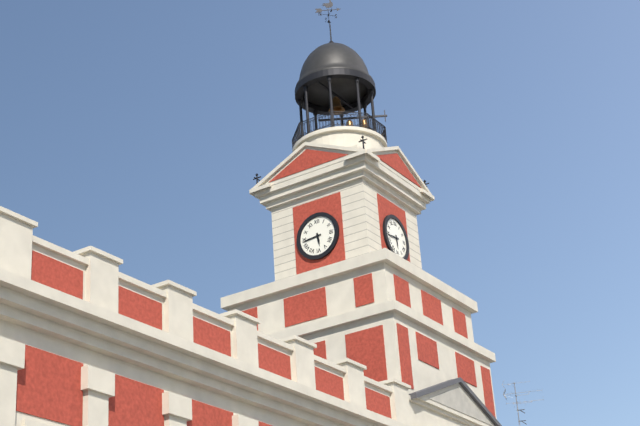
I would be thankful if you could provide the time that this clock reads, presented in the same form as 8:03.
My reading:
5:44
